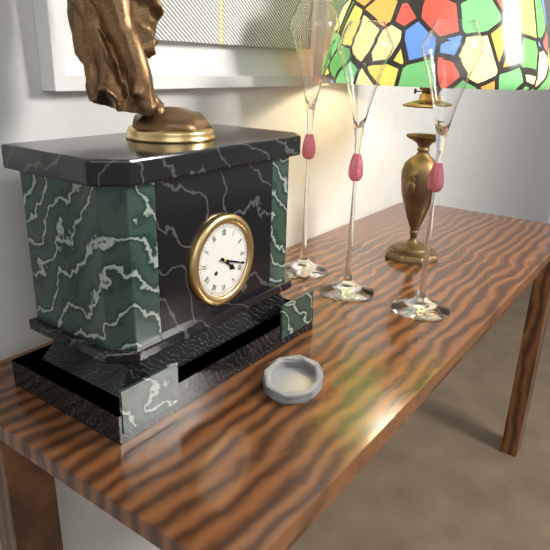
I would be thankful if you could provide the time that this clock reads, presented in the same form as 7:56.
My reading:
4:18
